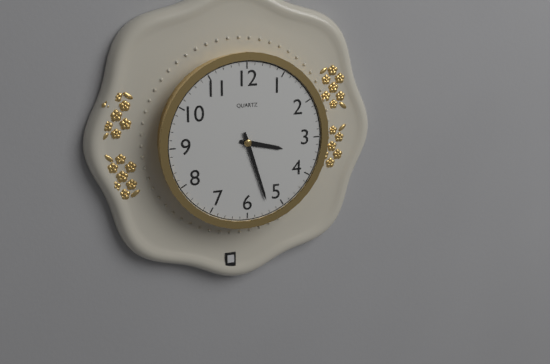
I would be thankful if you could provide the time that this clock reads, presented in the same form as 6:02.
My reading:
3:27
